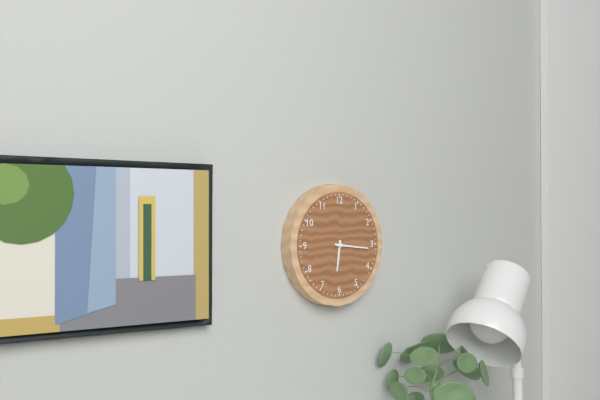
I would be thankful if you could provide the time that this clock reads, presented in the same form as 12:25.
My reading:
6:16
